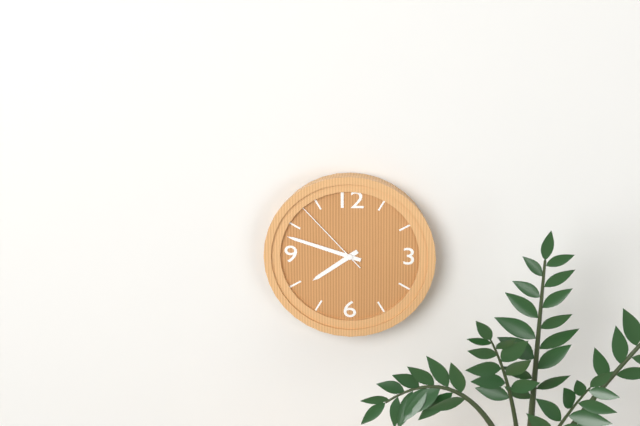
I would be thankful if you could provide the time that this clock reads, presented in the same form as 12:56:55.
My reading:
7:48:53
